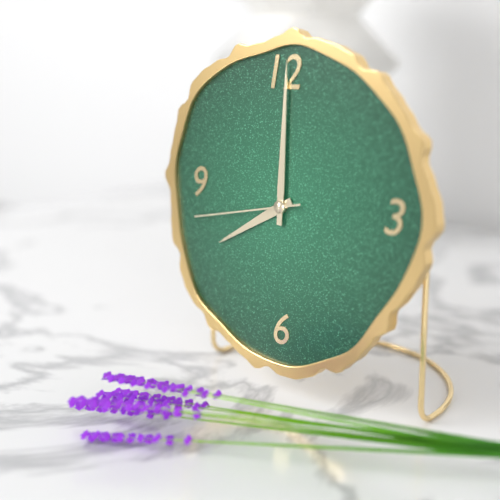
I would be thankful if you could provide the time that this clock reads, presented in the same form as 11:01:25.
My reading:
8:00:43
